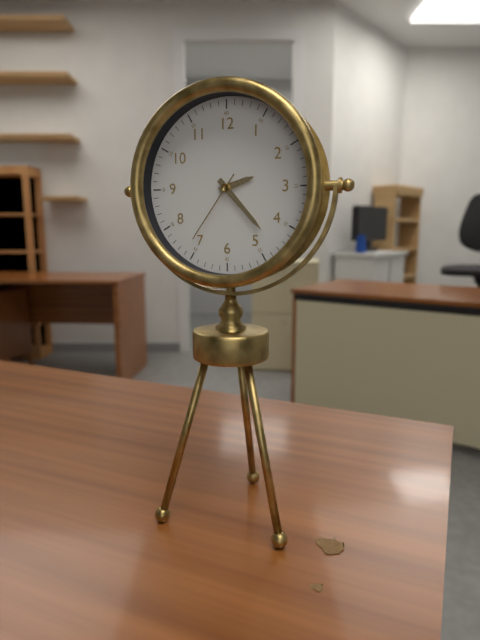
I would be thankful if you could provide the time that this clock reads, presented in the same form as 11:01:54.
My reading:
2:23:36
